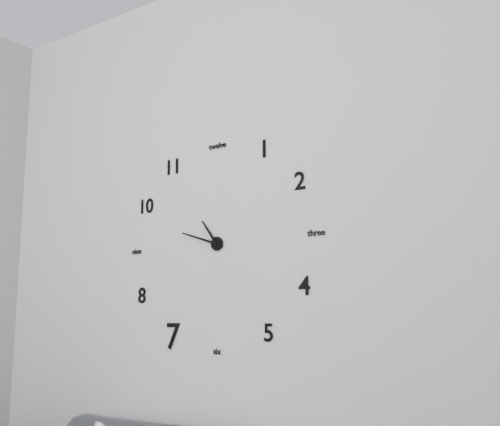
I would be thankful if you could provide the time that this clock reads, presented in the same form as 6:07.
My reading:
10:48
